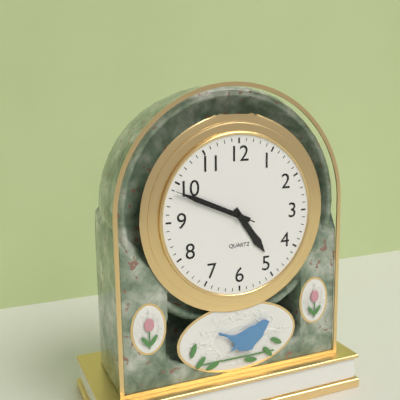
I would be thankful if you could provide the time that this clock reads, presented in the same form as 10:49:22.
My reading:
4:49:49
